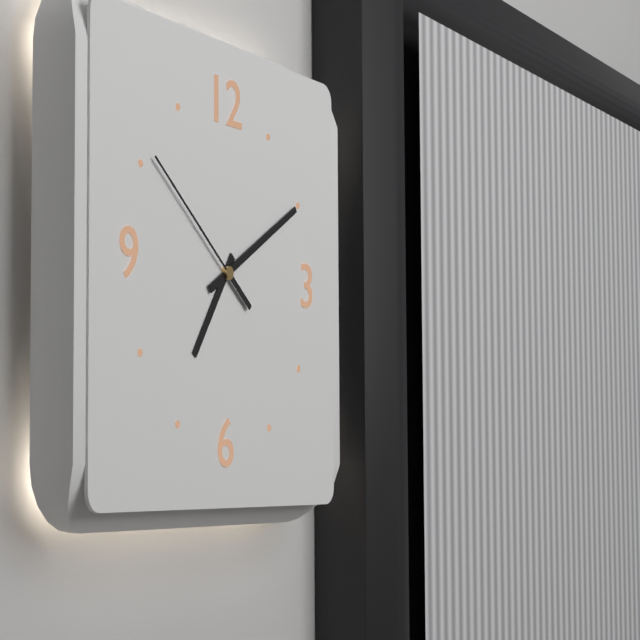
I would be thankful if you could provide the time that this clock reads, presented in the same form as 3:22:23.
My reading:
7:10:51
